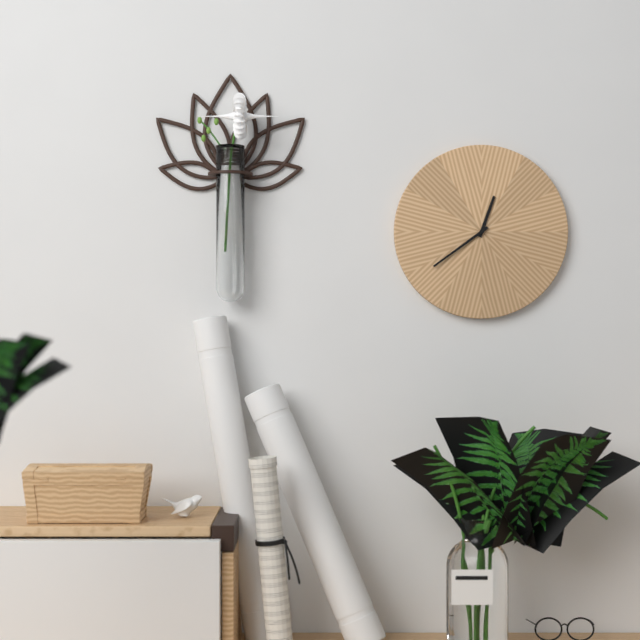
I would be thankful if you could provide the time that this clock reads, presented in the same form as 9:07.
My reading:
12:39
